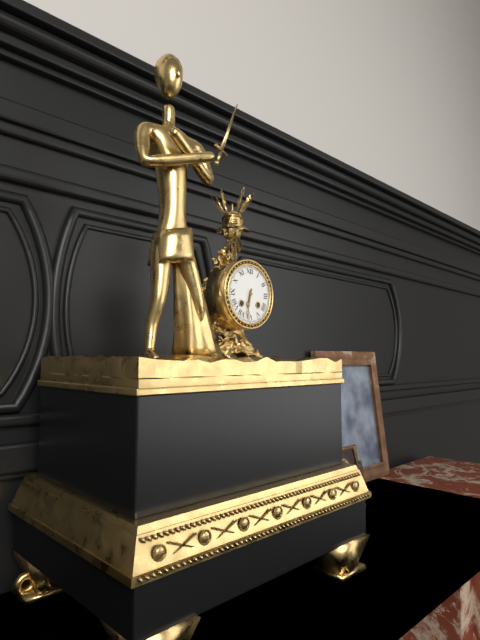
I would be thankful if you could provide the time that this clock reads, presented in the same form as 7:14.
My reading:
6:32
